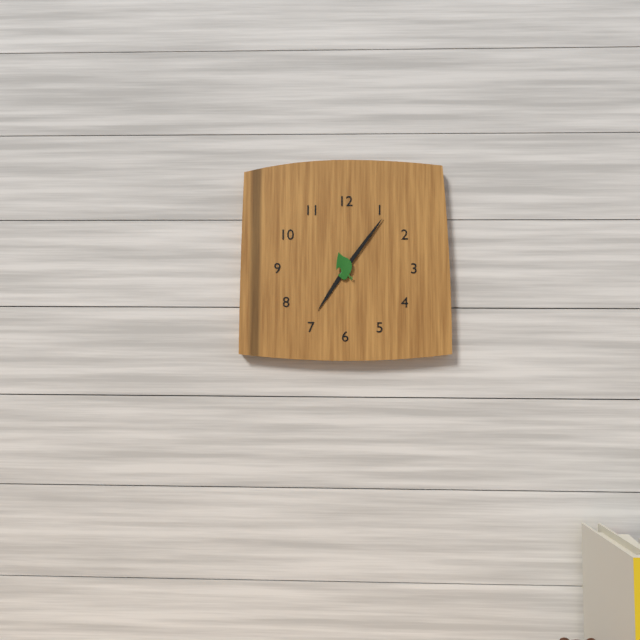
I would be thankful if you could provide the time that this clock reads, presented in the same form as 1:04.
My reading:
7:06
